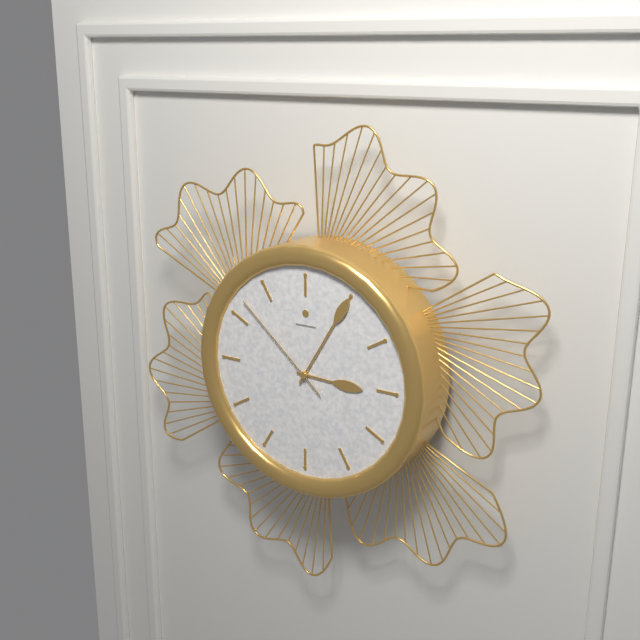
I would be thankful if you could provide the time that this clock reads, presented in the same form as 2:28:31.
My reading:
3:05:52
